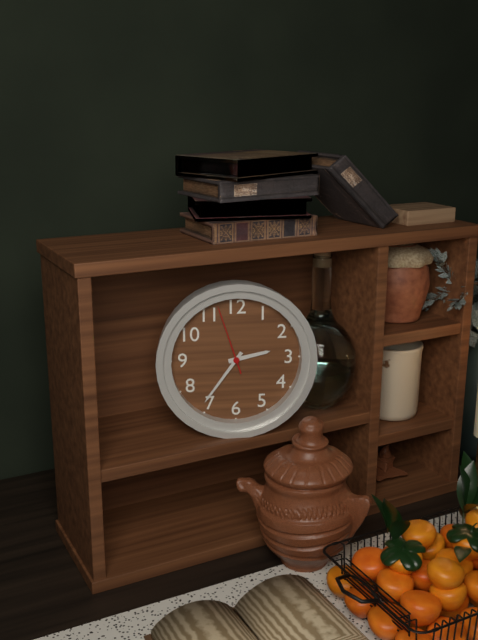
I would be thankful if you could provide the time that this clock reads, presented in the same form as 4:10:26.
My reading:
2:36:57
